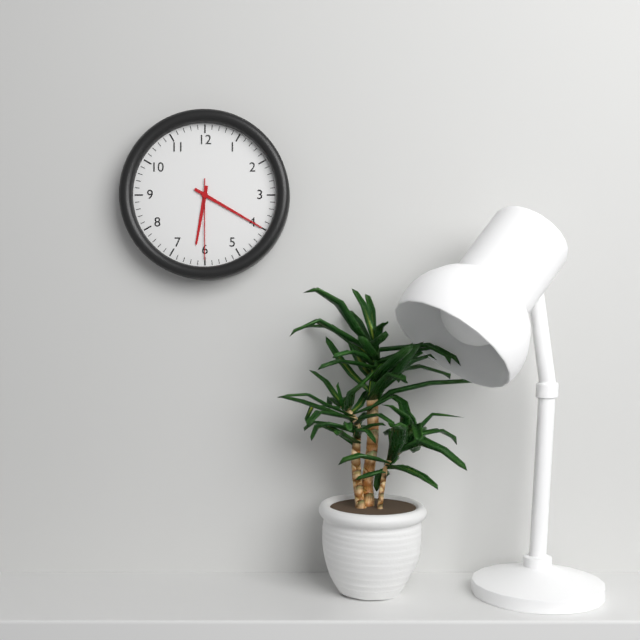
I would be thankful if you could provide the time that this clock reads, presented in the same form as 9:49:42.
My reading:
6:20:30
